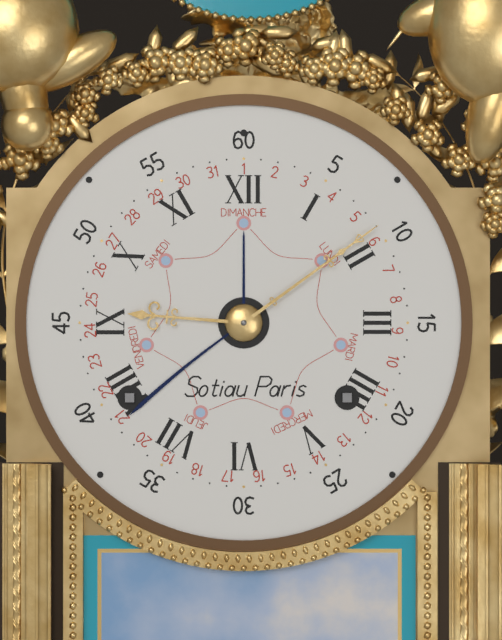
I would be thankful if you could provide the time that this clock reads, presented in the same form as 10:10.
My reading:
9:09
